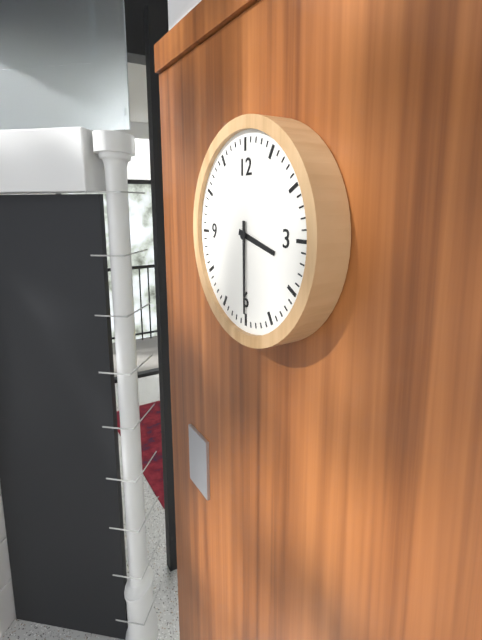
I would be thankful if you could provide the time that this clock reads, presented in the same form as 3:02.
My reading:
3:30
